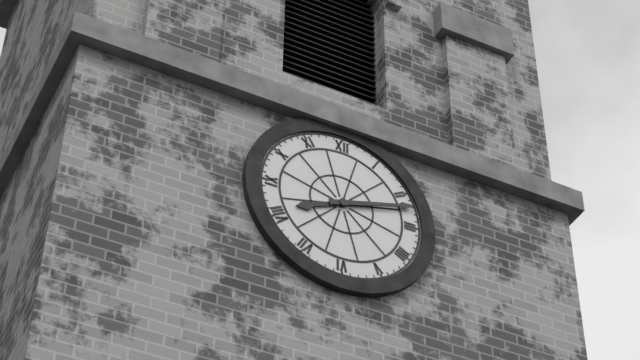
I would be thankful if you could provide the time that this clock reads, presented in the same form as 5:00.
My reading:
8:12
